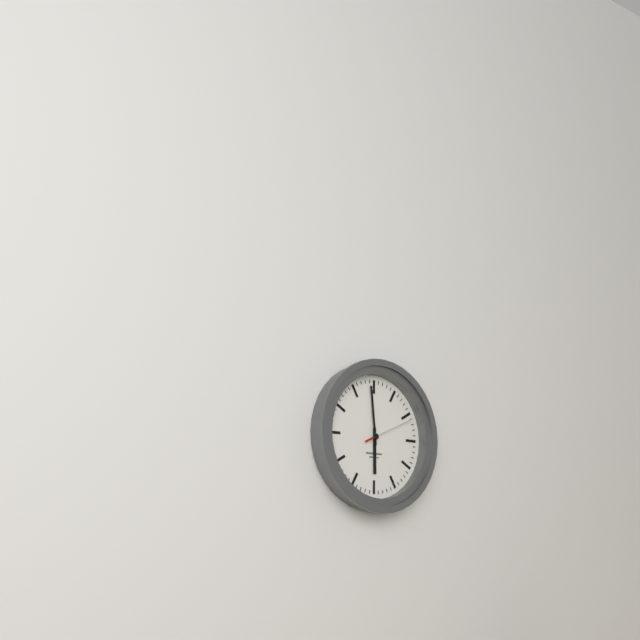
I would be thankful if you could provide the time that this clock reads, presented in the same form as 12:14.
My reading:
5:59
